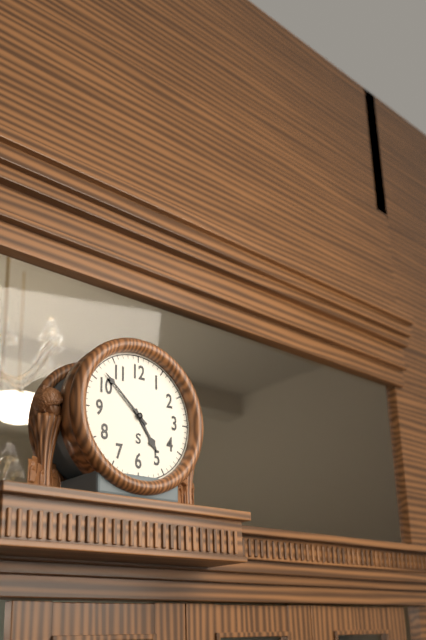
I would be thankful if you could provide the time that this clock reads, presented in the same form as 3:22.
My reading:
4:52
